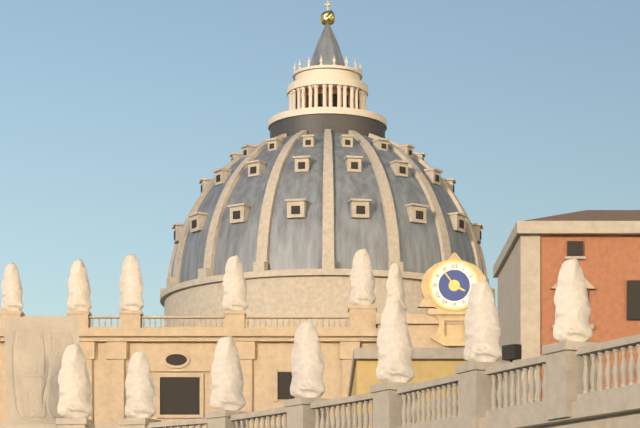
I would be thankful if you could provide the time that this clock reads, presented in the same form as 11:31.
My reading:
3:54
